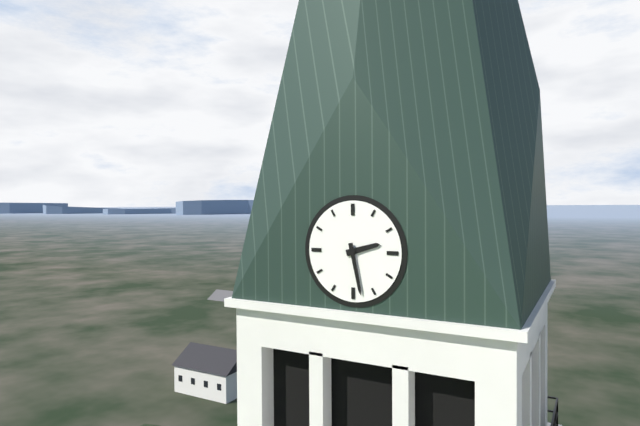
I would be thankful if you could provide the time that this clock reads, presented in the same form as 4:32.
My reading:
2:28
